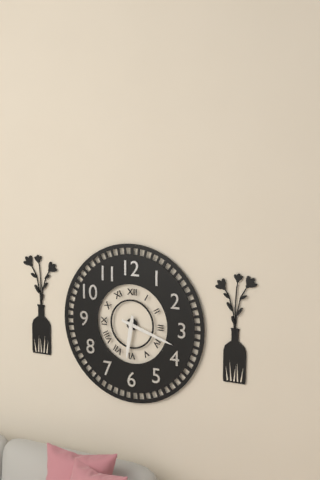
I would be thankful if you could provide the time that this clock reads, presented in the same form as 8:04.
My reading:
6:18
